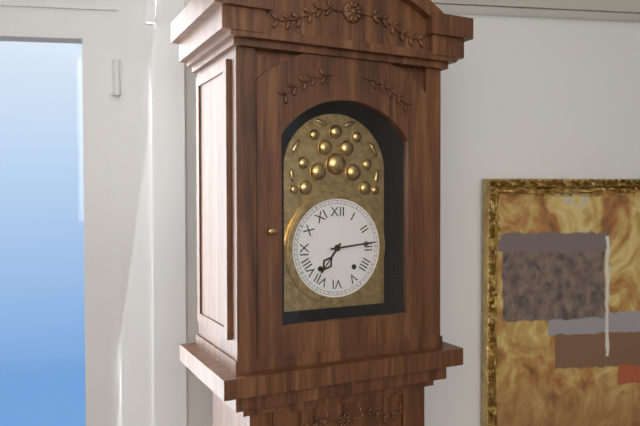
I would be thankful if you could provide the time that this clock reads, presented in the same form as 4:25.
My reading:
7:14
